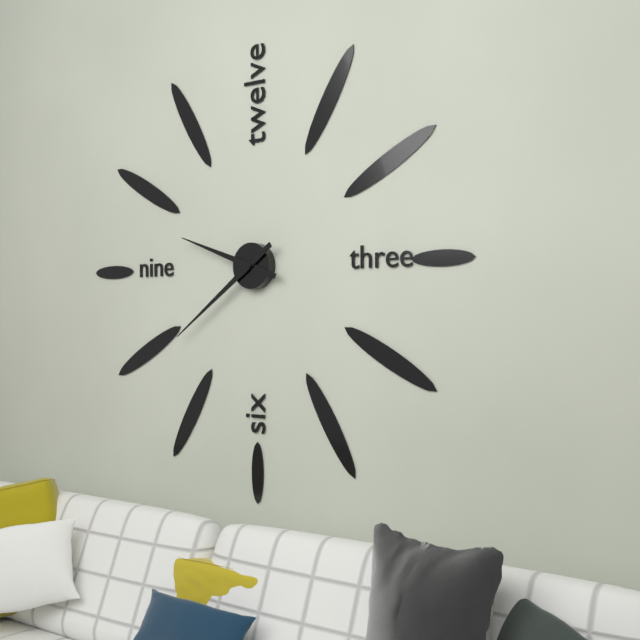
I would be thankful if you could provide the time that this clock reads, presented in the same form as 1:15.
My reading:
9:39
